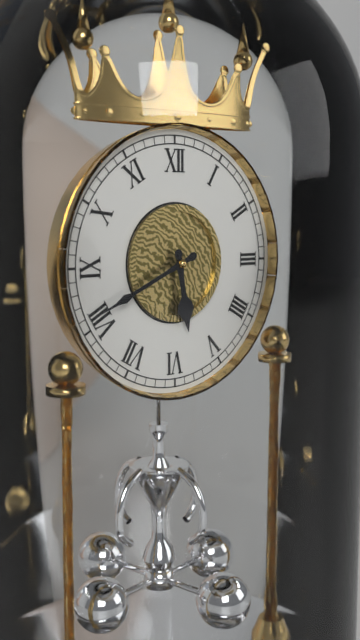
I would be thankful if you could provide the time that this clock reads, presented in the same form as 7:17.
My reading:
5:41
